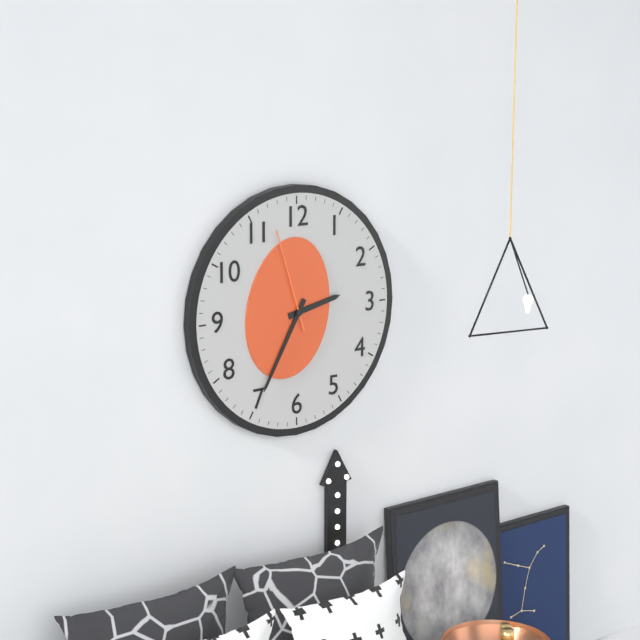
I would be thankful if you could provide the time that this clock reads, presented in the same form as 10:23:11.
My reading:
2:35:57
